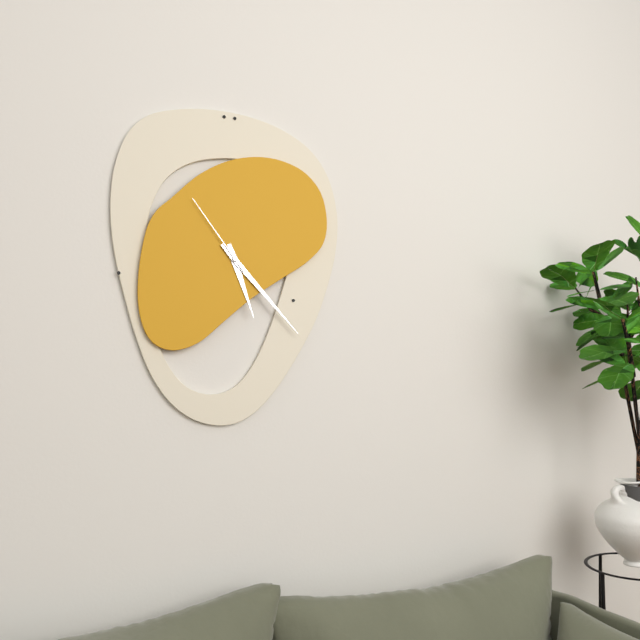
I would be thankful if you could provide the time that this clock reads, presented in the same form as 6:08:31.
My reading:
5:23:54
